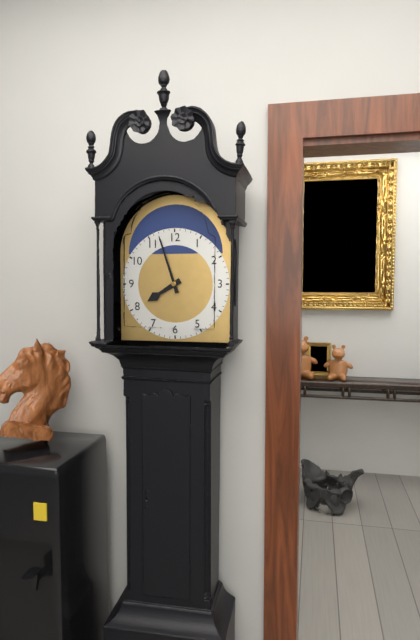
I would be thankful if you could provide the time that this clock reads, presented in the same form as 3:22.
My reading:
7:57
